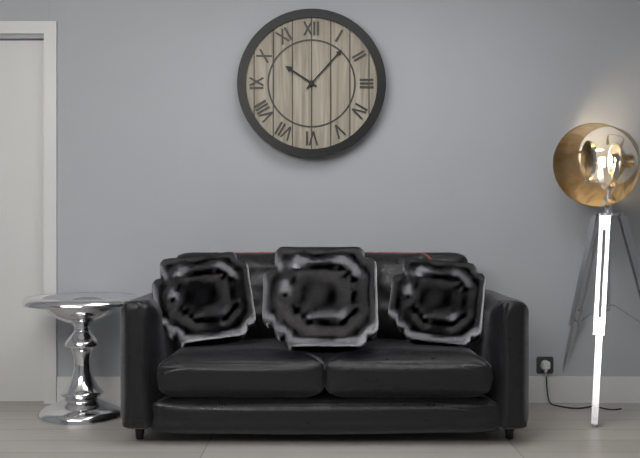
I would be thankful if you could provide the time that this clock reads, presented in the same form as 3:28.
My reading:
10:07
